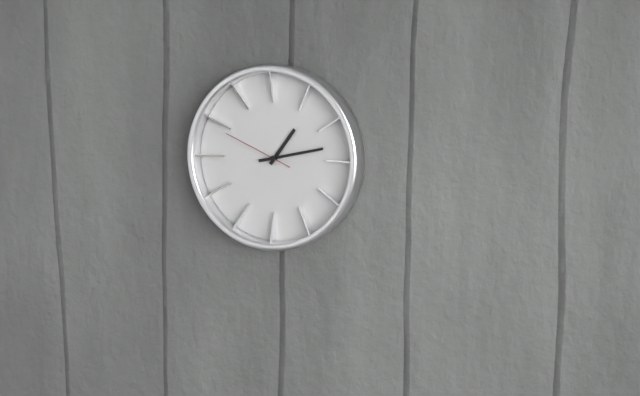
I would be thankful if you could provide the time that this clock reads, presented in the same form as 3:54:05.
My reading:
1:13:49
